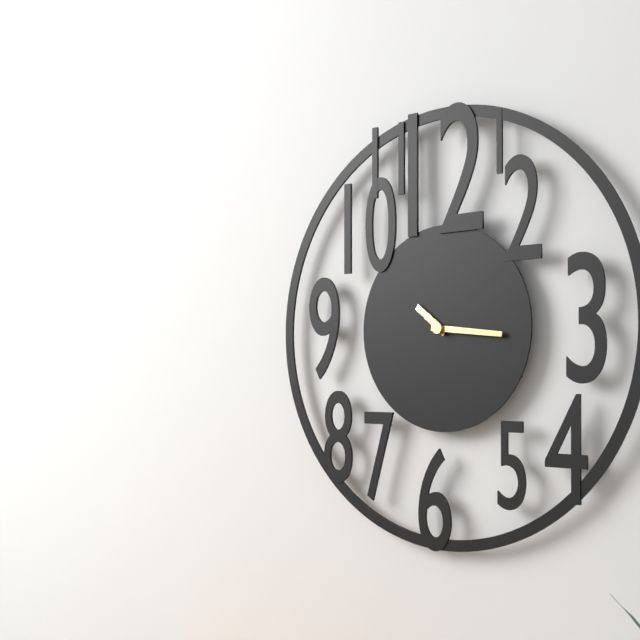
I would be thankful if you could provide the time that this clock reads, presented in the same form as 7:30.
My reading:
10:16
